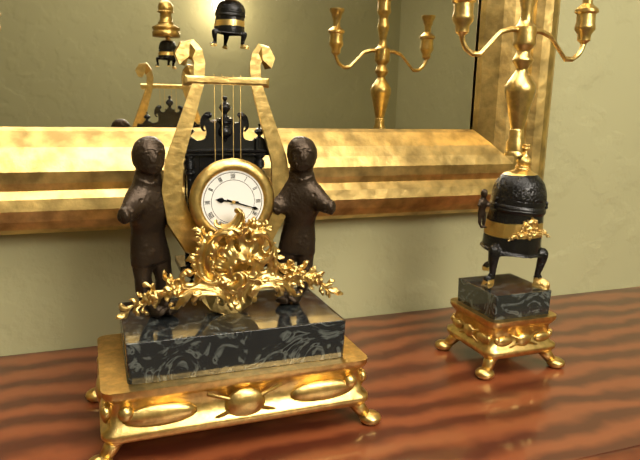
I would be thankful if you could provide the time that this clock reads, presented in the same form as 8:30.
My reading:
9:18
